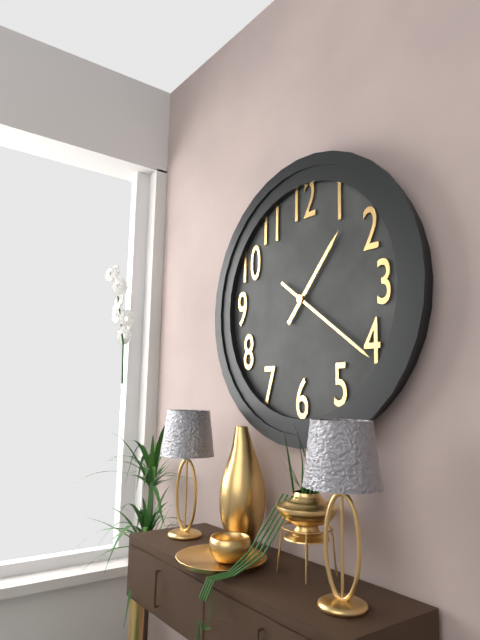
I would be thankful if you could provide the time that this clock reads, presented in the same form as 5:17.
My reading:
1:21
